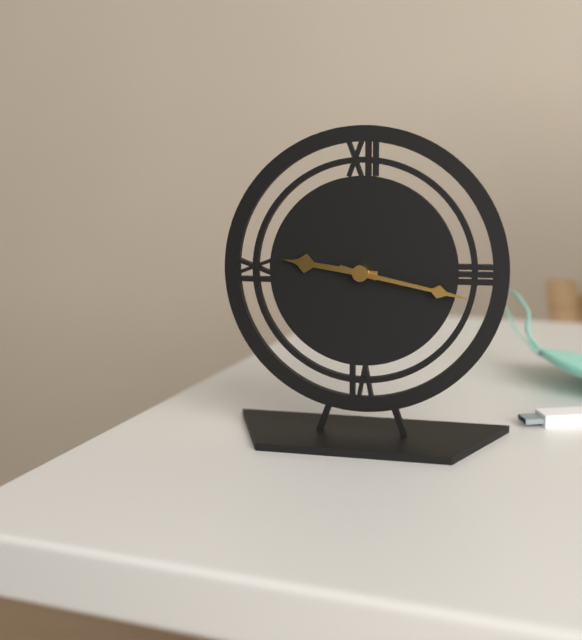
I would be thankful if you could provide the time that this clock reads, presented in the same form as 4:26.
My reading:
9:17
